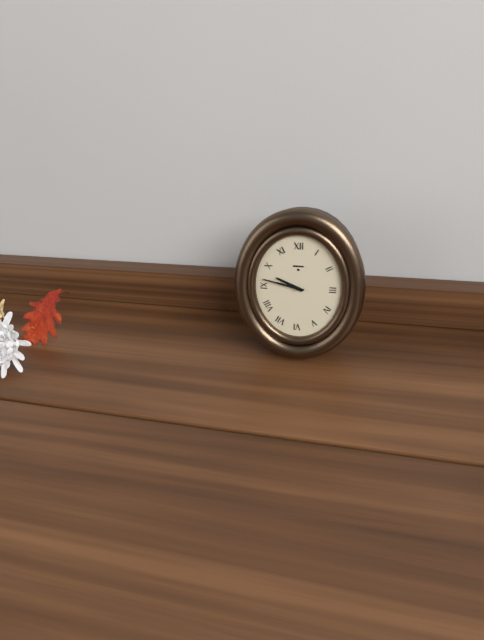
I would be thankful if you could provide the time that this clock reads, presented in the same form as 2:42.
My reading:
9:47
